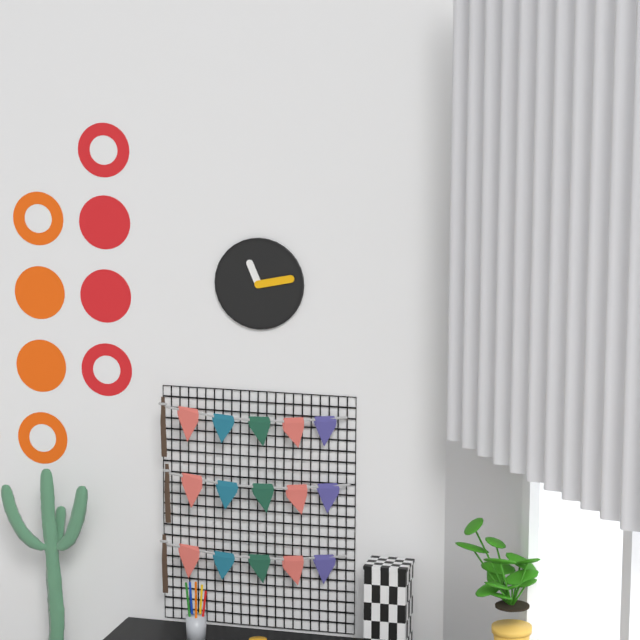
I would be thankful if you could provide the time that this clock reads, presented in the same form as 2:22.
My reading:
11:13
